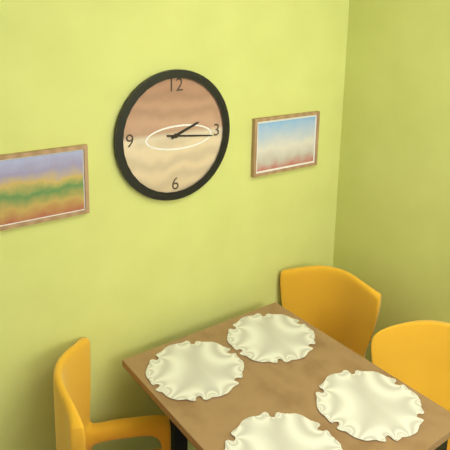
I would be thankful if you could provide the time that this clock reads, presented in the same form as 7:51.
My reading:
2:16
